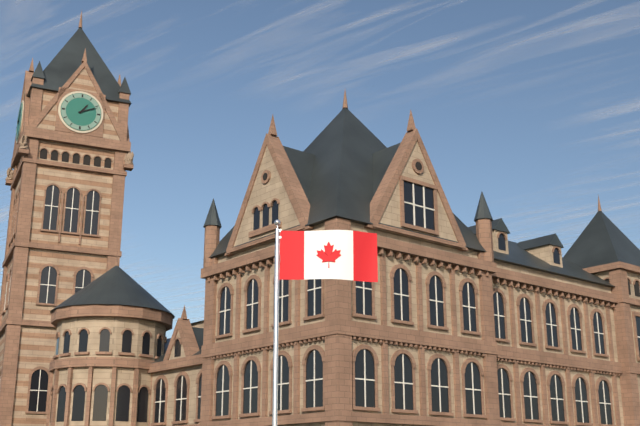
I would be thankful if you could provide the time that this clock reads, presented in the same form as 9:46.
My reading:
1:11
